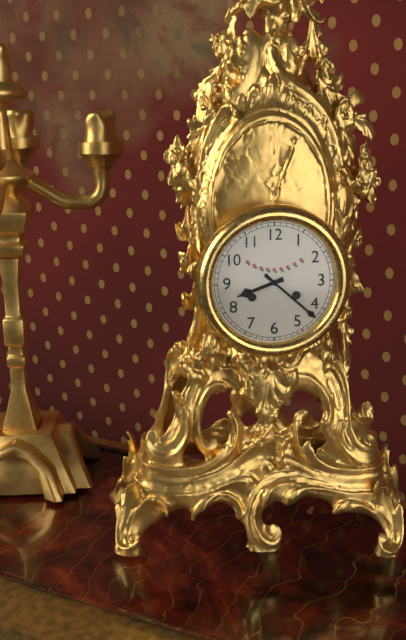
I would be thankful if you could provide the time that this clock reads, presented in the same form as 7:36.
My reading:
8:22
